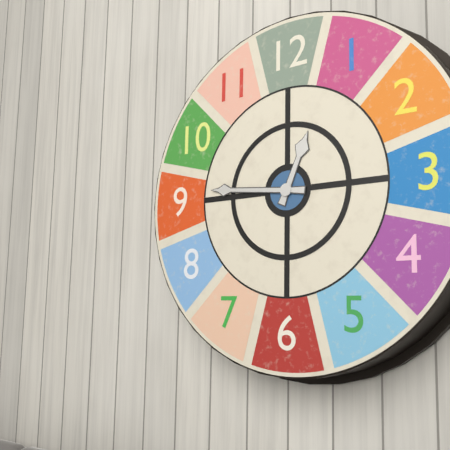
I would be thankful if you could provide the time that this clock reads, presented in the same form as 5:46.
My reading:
12:46
